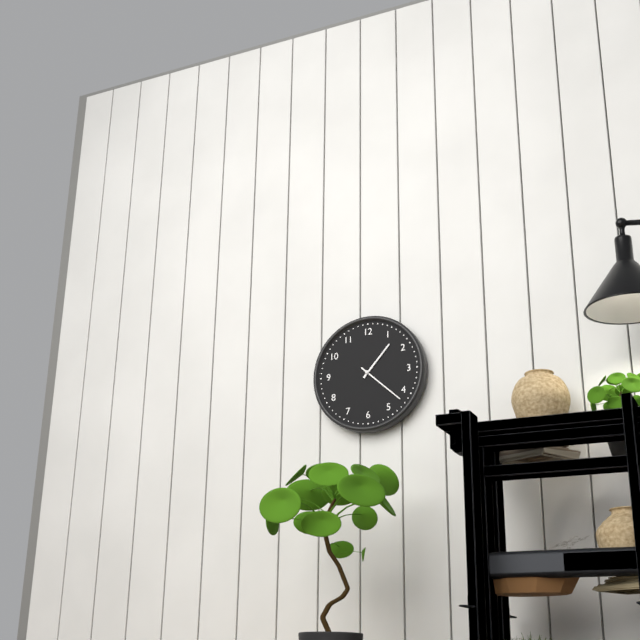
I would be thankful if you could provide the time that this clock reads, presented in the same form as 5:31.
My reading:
1:22
